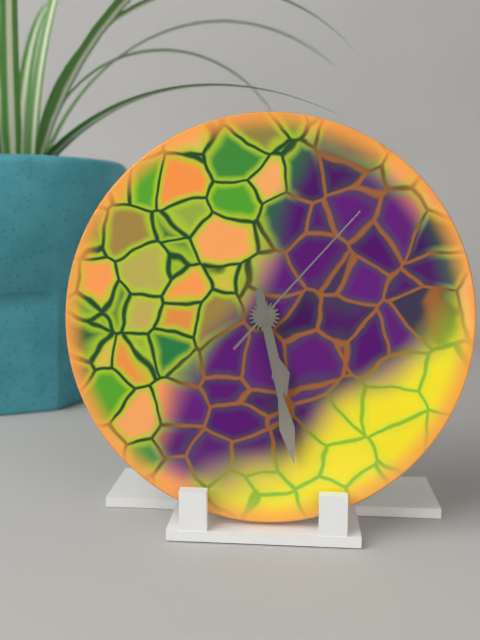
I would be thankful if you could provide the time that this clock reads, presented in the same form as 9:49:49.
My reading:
5:28:07
